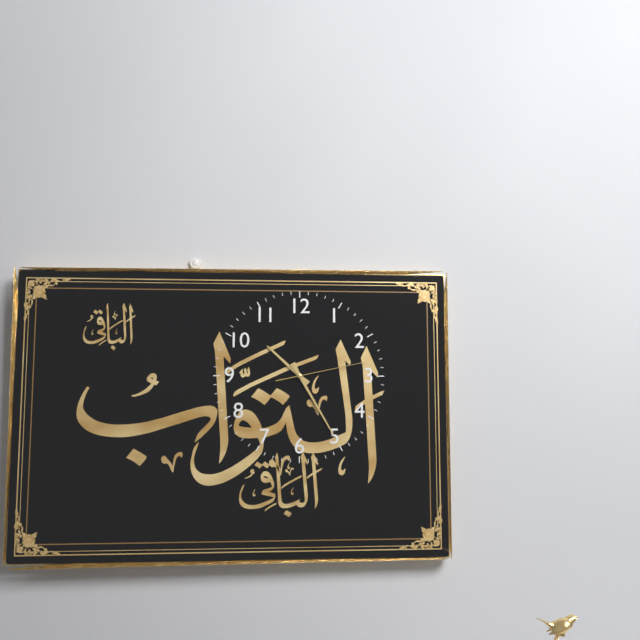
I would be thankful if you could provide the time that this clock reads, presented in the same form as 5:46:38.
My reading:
10:25:13
